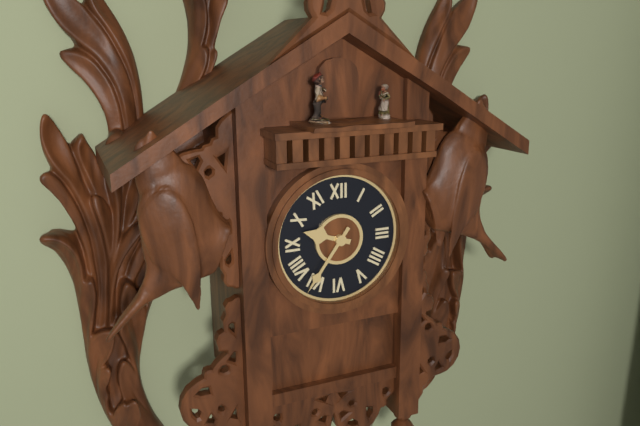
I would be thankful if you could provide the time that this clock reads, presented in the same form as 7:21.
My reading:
9:36
